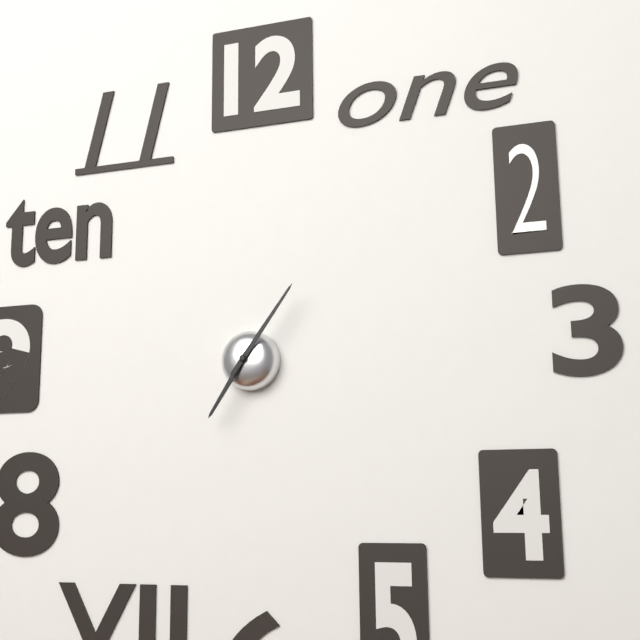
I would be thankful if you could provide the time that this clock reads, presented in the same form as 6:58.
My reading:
7:06
